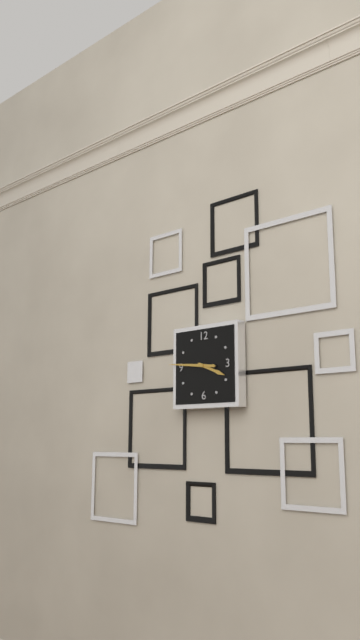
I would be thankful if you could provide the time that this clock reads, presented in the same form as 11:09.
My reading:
3:46
